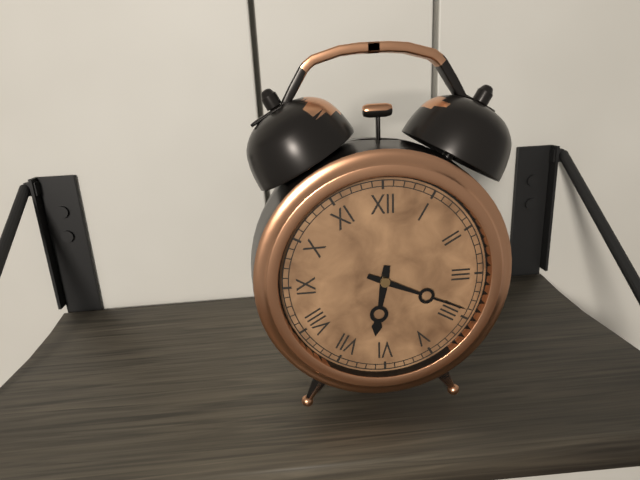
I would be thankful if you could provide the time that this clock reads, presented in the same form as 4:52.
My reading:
6:19
